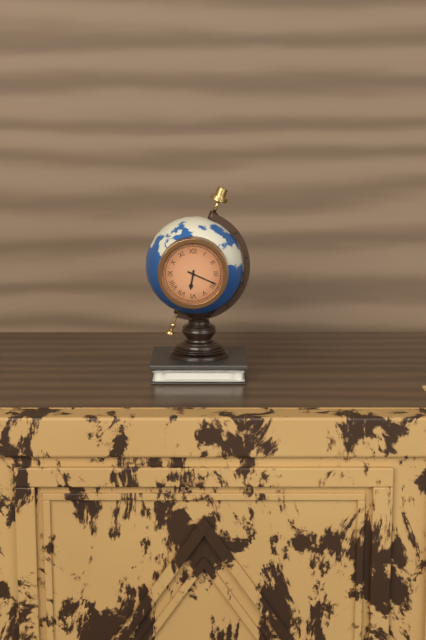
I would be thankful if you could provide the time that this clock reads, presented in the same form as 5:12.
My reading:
6:19
